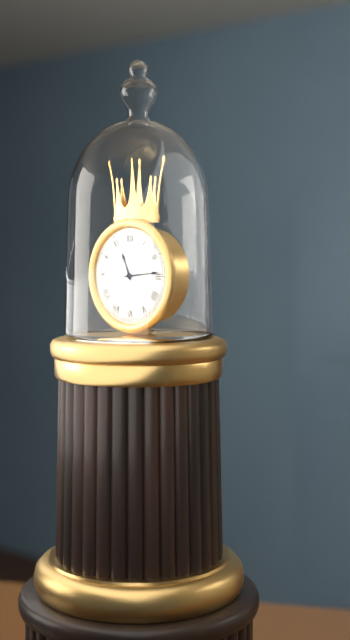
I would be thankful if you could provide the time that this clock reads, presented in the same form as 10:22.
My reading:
11:14
